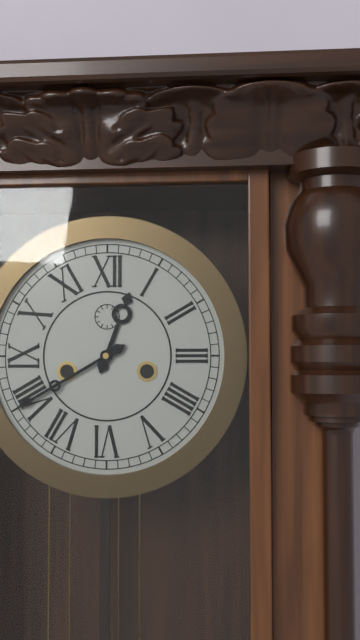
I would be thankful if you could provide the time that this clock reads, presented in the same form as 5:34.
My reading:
12:40
